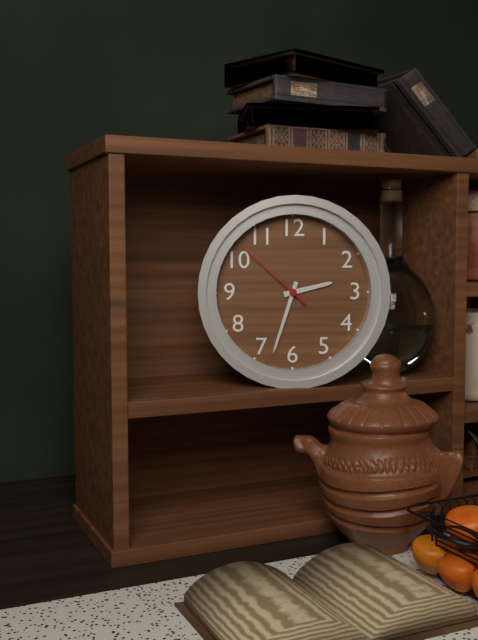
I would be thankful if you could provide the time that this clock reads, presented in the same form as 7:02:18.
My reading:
2:33:52
